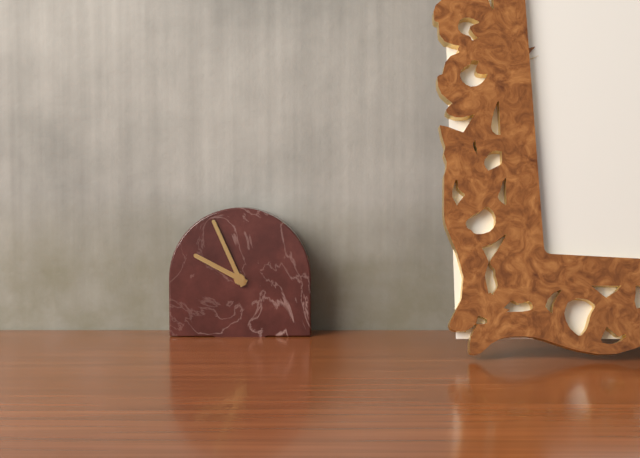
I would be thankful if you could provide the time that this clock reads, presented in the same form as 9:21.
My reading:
9:56
